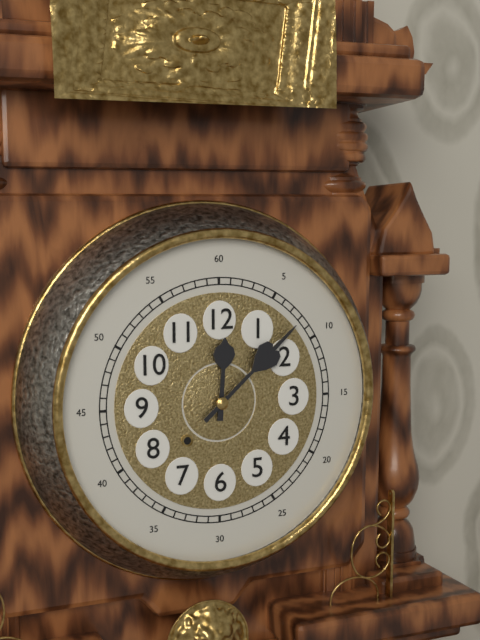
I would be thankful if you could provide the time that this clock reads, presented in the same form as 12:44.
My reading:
12:08
